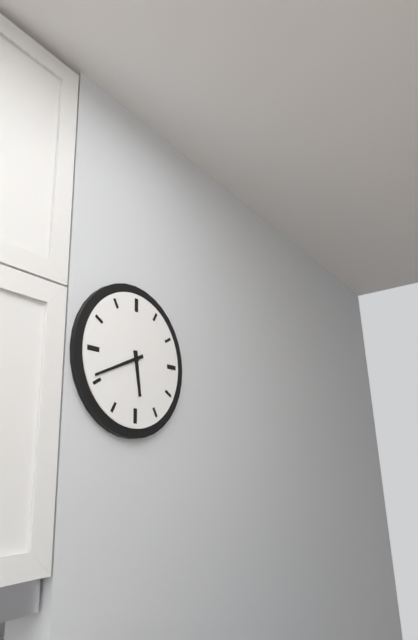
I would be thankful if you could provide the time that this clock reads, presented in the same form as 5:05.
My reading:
5:41
